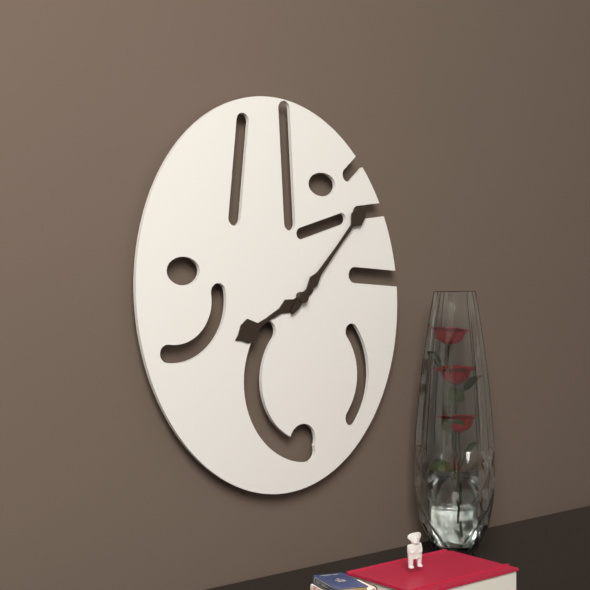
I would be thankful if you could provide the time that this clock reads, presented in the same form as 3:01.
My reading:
8:07
